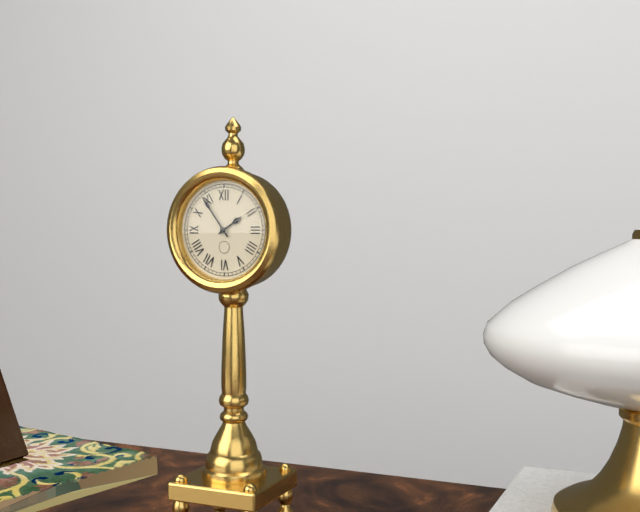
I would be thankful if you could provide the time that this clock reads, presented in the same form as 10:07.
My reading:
1:54
